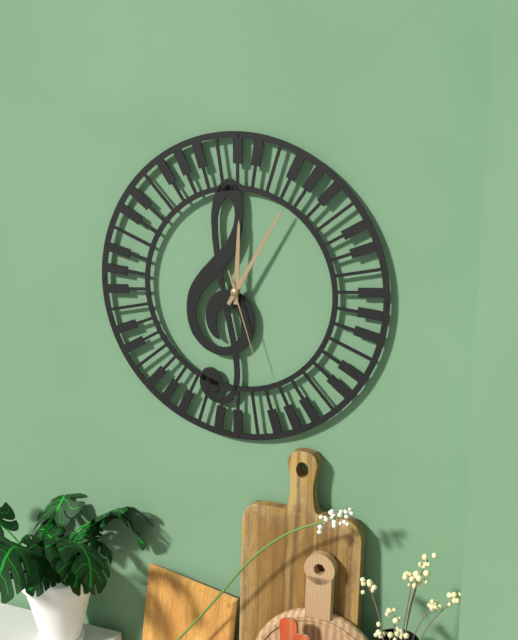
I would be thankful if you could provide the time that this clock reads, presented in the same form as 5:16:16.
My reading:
12:05:27
